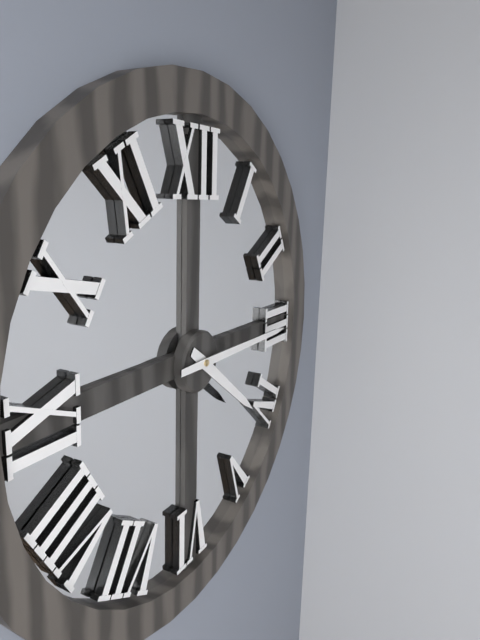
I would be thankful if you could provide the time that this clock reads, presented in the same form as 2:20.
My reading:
4:15
